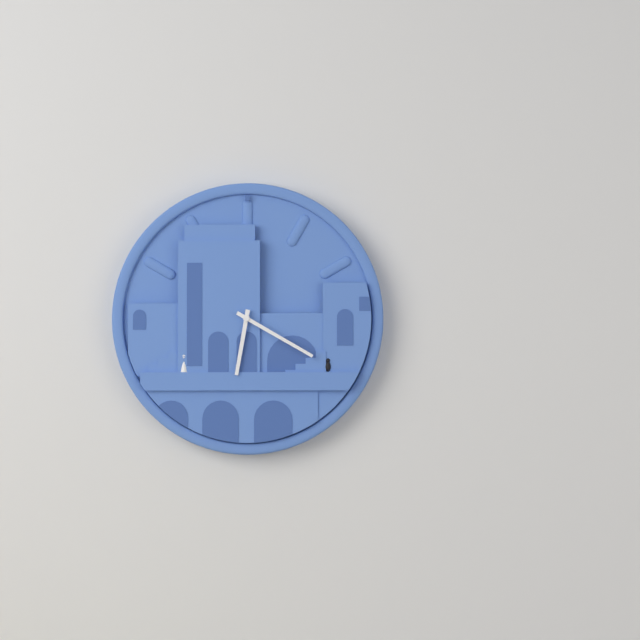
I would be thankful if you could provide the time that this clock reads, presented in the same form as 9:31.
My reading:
6:20
